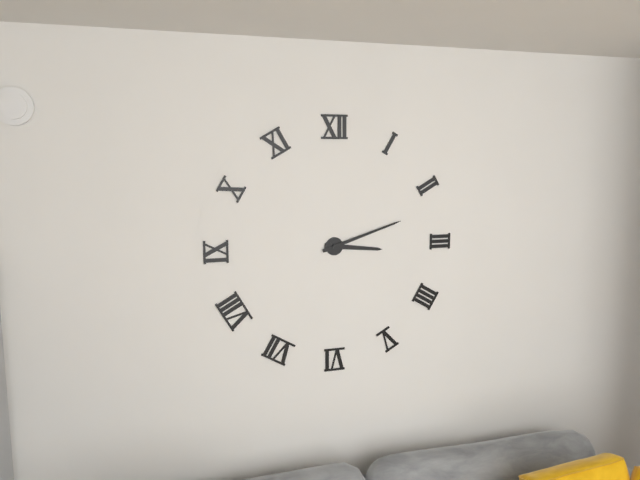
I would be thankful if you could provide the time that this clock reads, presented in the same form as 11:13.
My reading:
3:12
